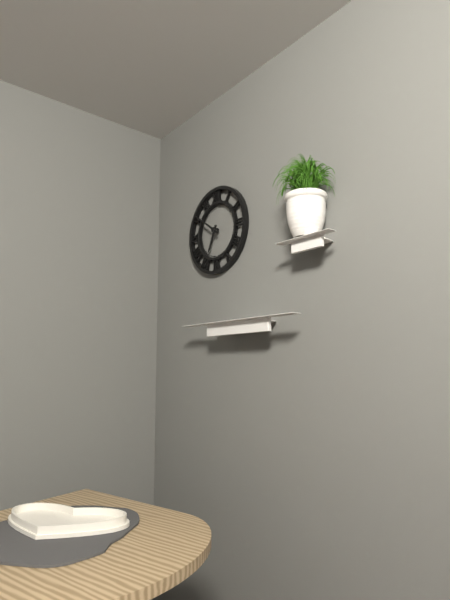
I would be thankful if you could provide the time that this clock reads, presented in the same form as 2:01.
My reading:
6:51
